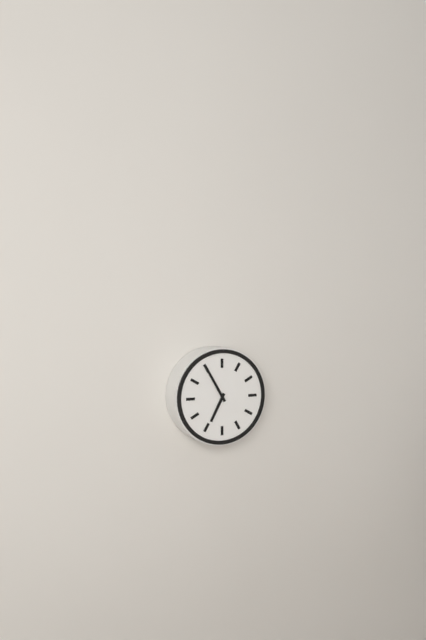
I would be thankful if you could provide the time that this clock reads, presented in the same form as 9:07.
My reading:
6:55
